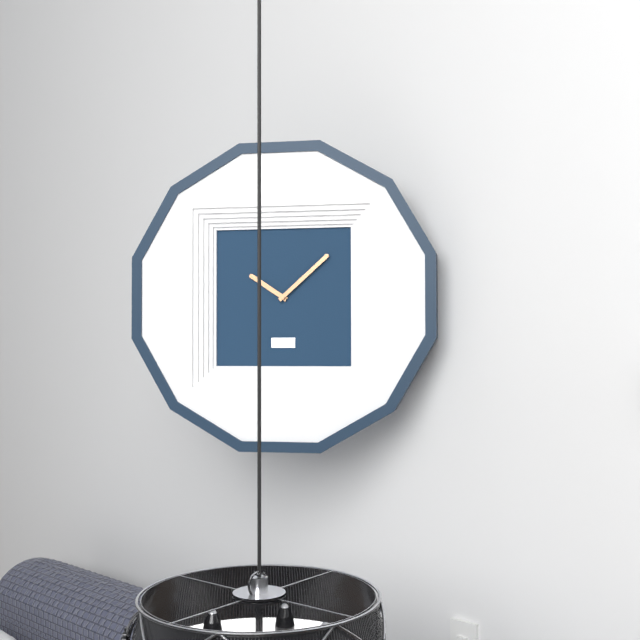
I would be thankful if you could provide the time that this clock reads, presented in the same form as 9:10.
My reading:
10:08
